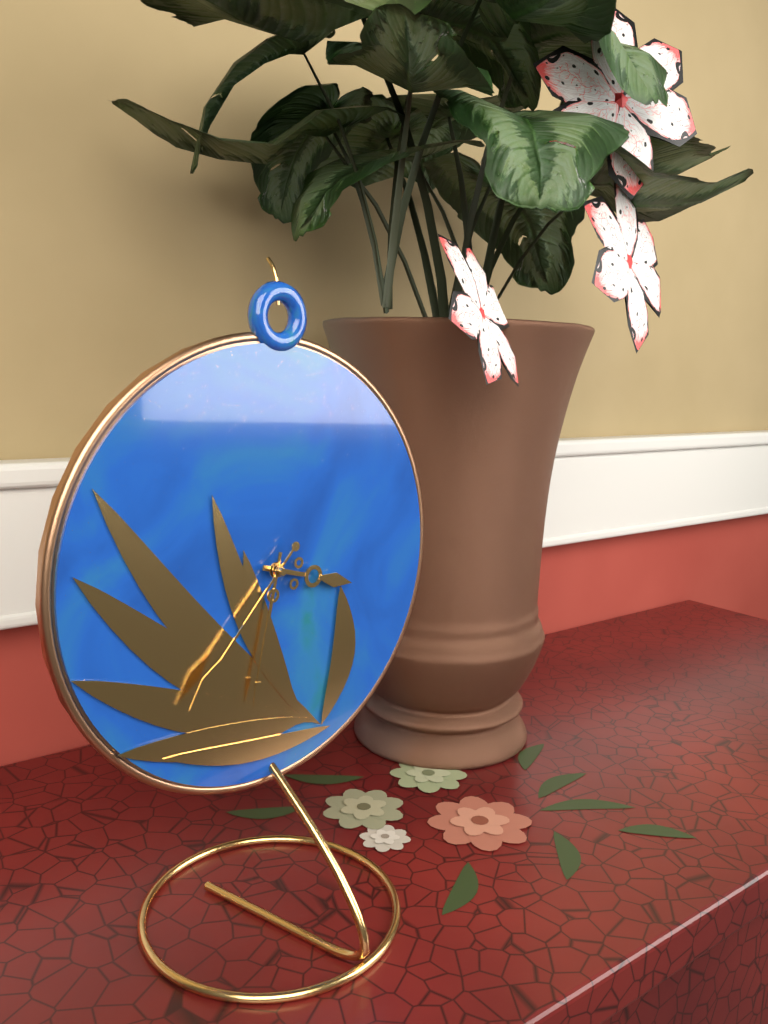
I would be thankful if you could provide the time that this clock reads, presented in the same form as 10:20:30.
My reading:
3:32:37
